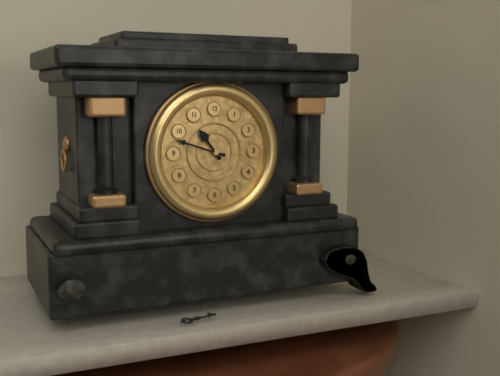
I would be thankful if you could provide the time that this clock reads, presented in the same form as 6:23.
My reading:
10:48
